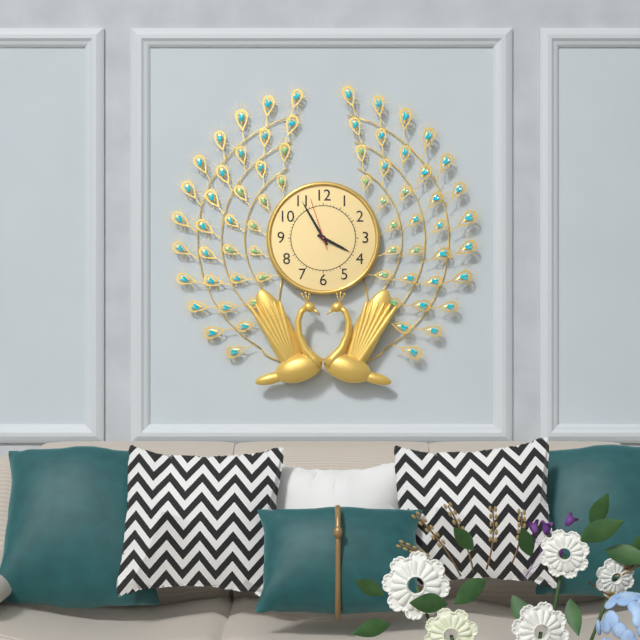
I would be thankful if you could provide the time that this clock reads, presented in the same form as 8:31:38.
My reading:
3:55:57
